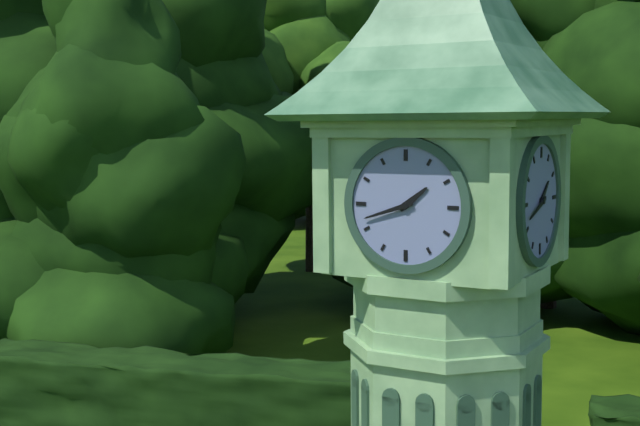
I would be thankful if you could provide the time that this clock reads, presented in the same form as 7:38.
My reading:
1:42
